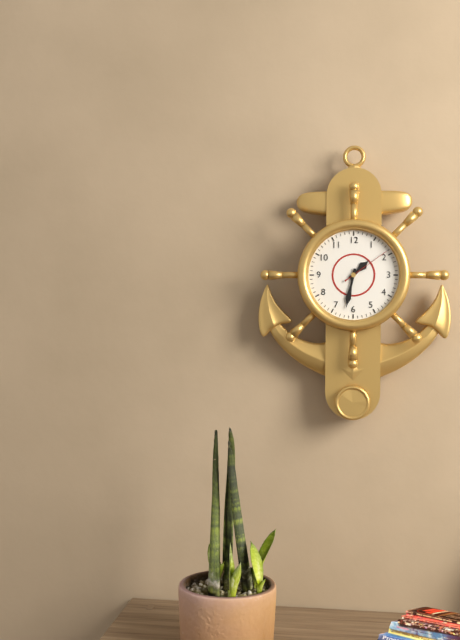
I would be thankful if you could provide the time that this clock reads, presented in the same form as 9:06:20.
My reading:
1:32:09
